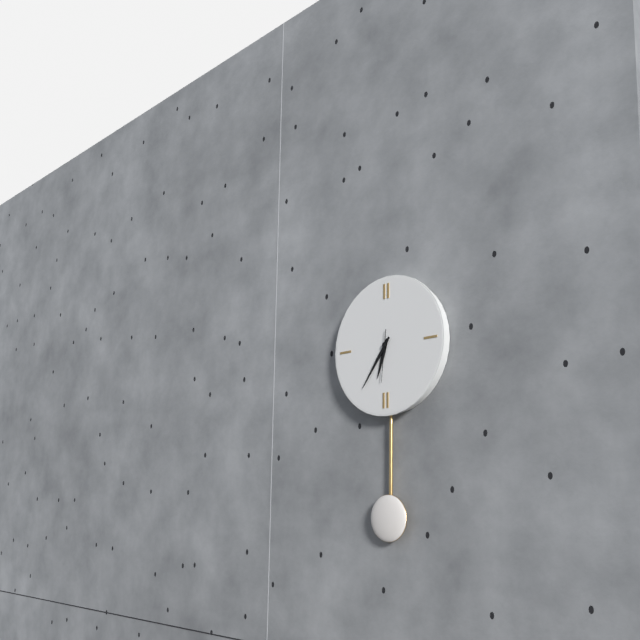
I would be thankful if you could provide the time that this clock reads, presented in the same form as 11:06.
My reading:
6:36
